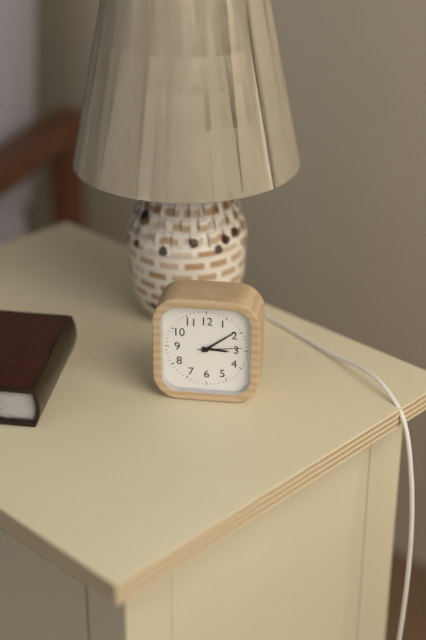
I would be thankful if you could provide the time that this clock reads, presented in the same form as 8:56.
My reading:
3:09
